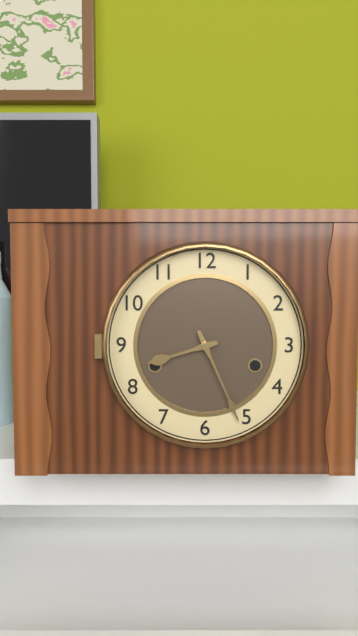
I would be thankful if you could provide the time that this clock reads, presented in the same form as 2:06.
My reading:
8:26
